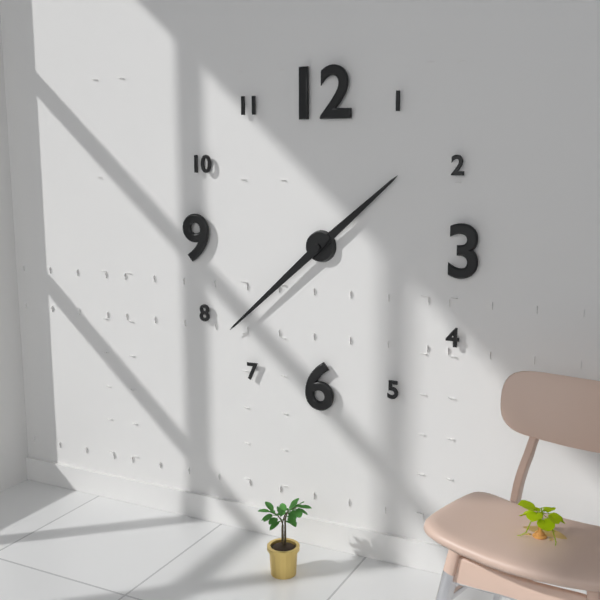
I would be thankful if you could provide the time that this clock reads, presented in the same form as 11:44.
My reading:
1:38
